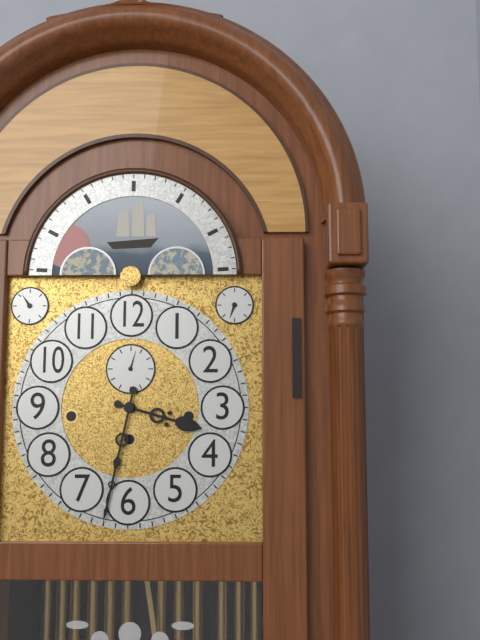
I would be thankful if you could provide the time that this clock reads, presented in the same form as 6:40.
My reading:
3:32
